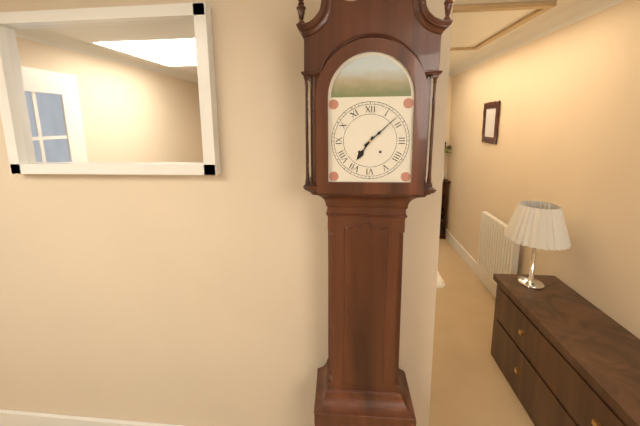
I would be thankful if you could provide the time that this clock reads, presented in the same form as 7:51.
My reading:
7:08
